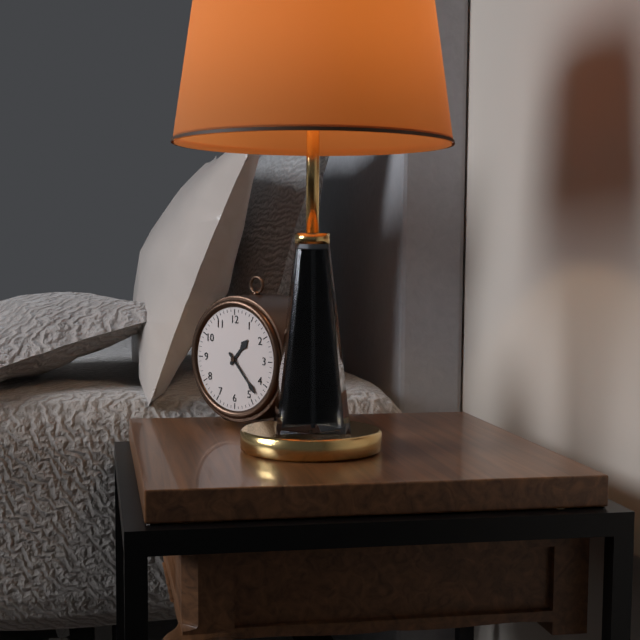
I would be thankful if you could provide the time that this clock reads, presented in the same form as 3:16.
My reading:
1:23
